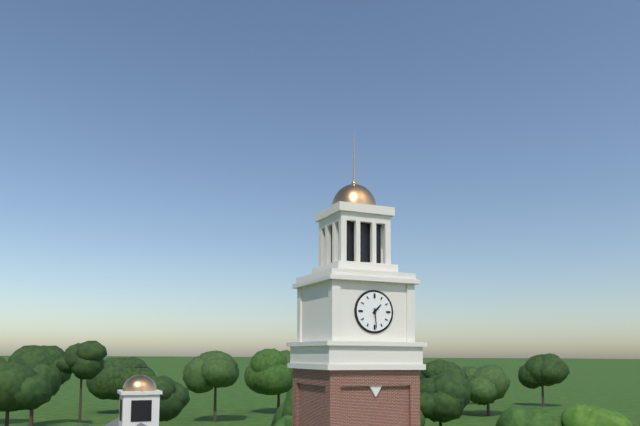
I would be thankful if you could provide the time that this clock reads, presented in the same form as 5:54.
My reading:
1:29
